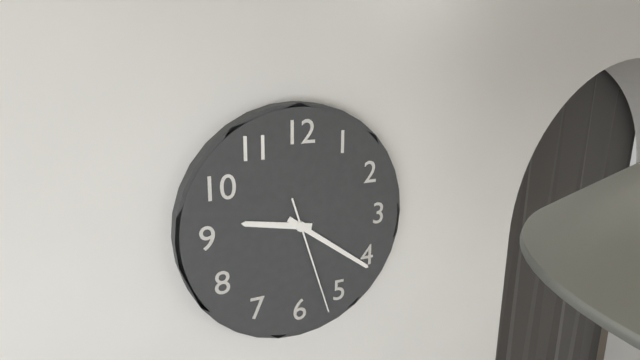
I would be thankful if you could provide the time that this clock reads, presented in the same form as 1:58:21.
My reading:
9:21:27
